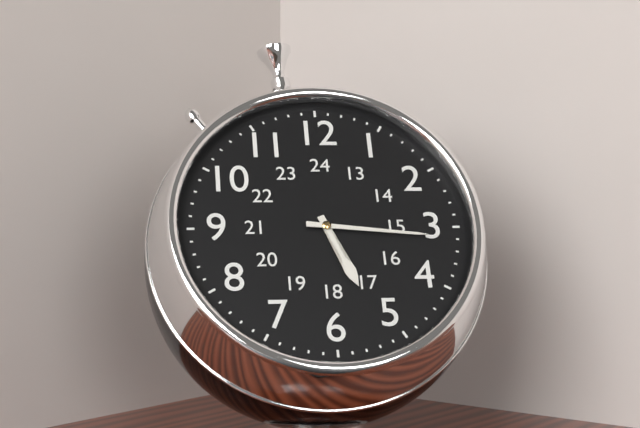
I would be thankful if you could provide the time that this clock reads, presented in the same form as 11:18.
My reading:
5:16
